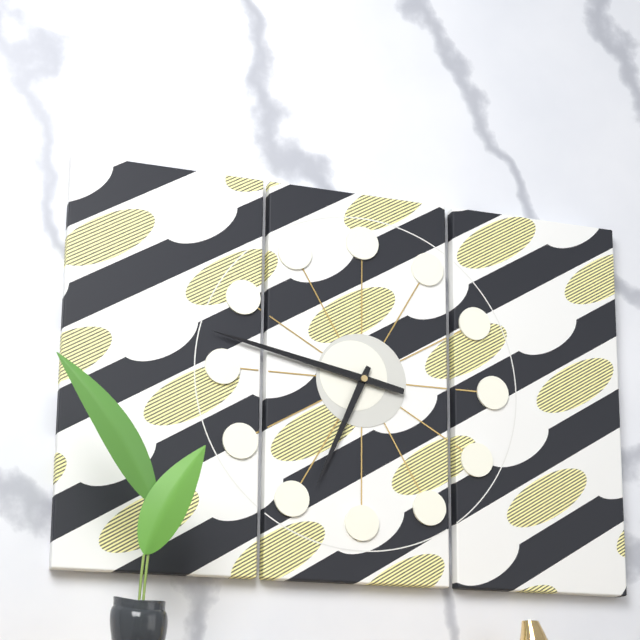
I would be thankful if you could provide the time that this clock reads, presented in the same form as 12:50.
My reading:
6:47
